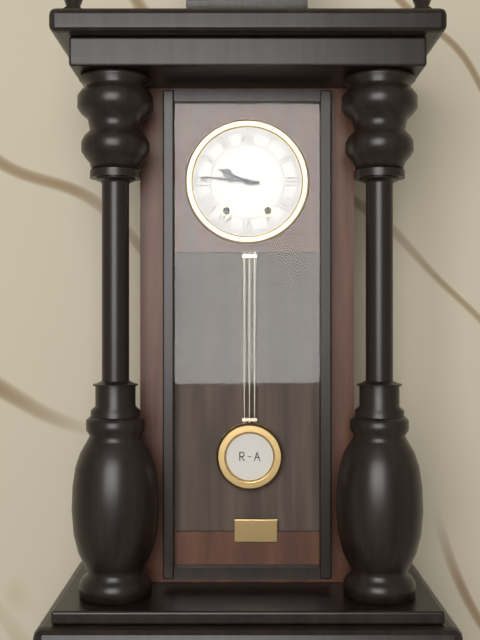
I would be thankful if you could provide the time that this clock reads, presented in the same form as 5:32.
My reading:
9:46
